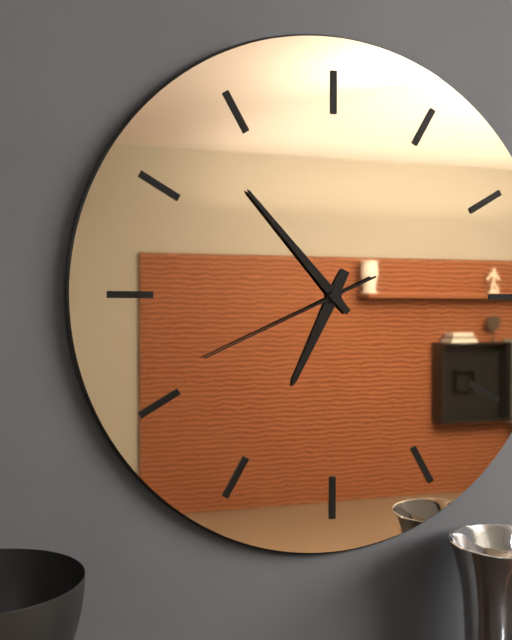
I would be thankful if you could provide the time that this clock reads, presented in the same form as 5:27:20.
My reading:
6:53:41
